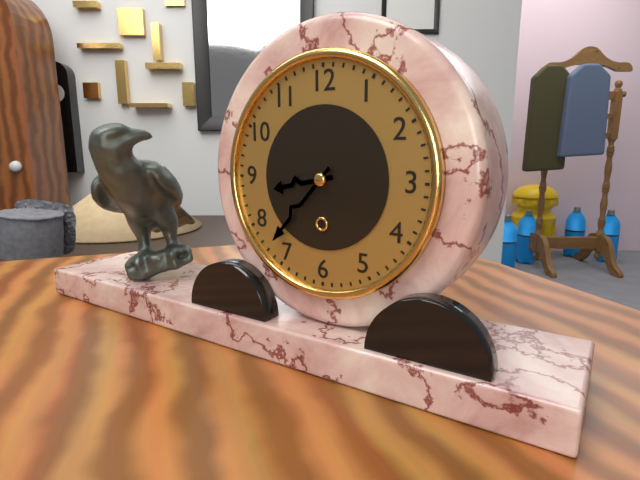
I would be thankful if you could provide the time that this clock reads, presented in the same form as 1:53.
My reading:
8:37
